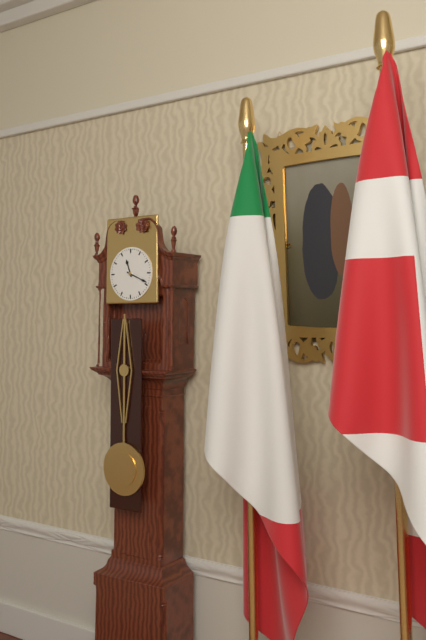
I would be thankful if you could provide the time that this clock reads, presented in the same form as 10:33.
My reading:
11:19
